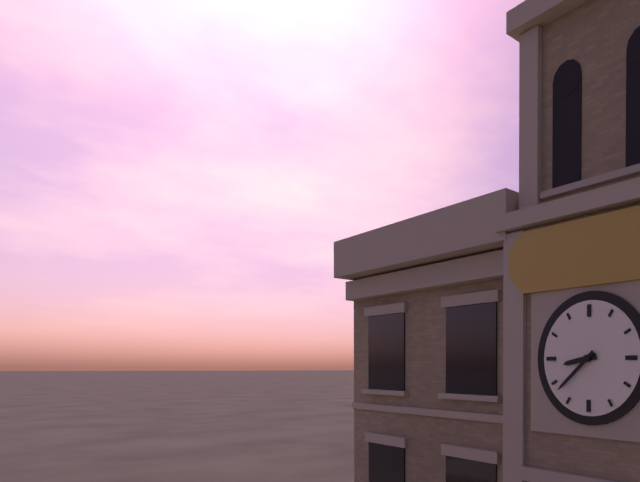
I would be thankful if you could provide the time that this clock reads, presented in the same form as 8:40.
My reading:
8:38
